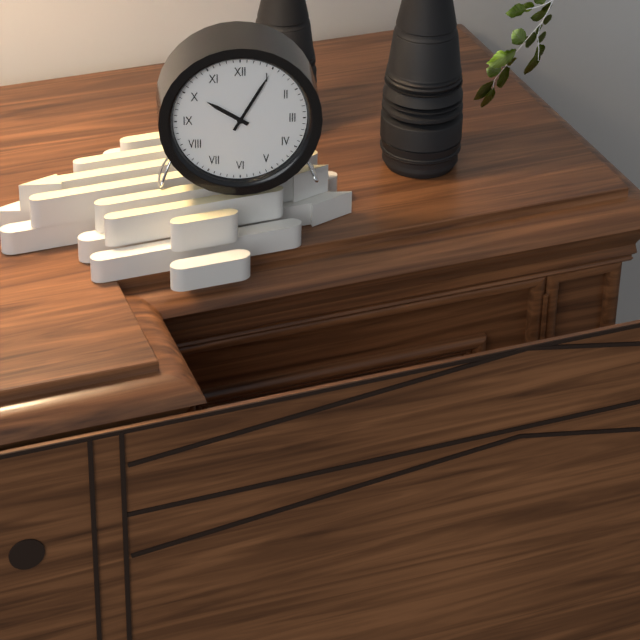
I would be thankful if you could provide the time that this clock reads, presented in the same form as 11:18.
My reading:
10:05
